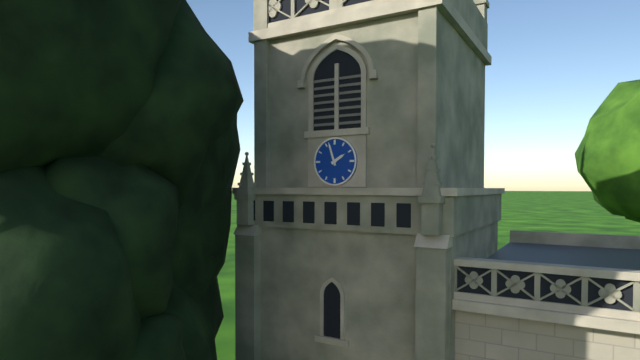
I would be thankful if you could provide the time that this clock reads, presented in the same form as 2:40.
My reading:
1:57
